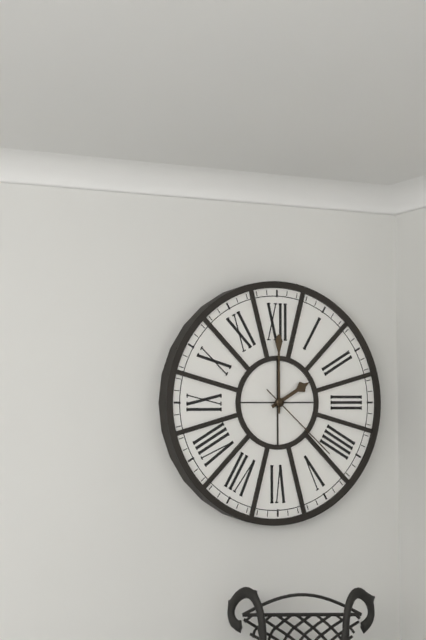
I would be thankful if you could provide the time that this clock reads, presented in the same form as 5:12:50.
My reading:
2:00:22
